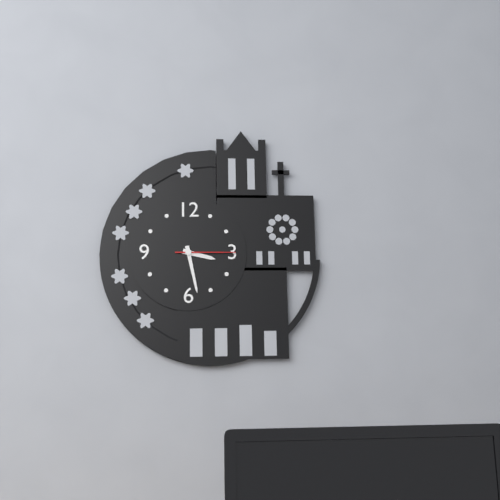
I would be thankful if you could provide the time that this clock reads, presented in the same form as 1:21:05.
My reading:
3:28:15
